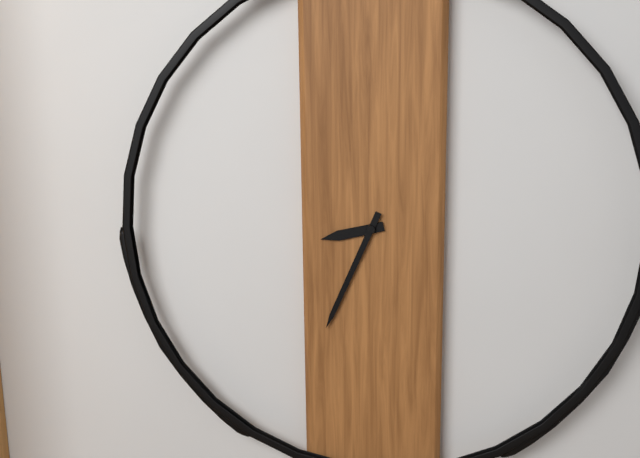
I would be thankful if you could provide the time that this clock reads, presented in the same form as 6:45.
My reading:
8:34
